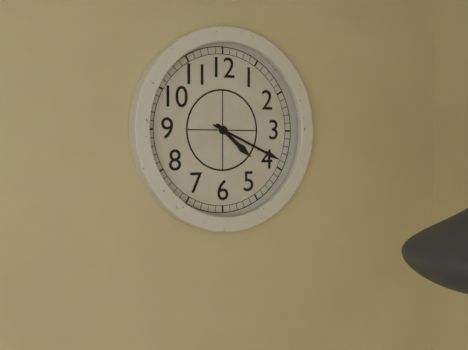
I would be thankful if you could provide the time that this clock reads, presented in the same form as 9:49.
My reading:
4:19
